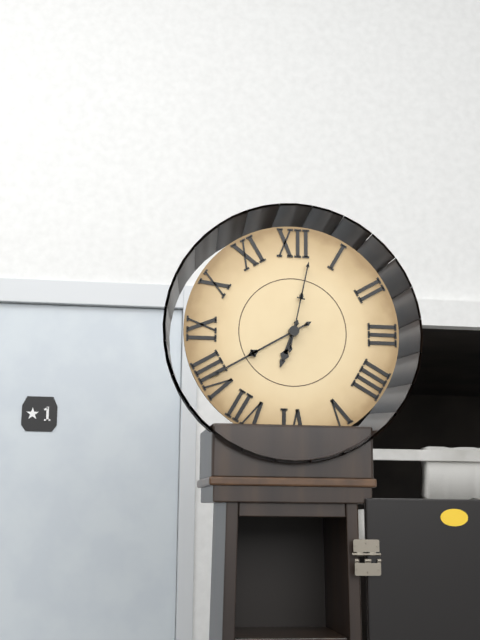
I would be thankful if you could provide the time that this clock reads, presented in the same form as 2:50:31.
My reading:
6:40:02
